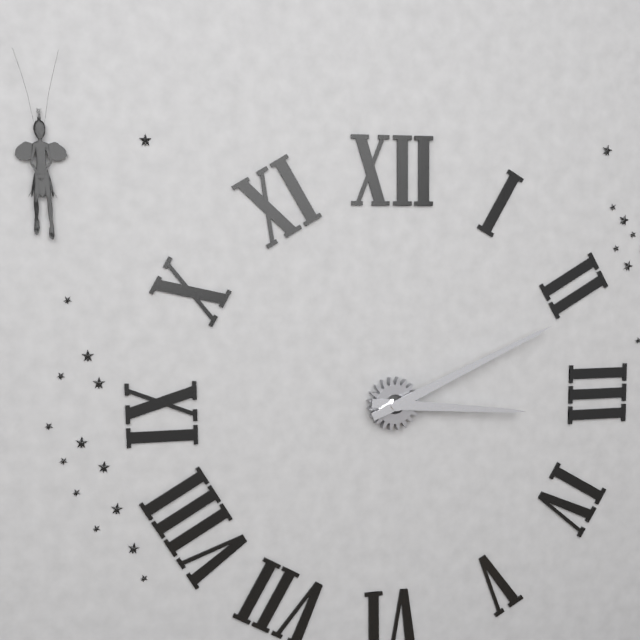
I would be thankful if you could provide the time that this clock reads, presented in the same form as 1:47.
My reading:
3:11
